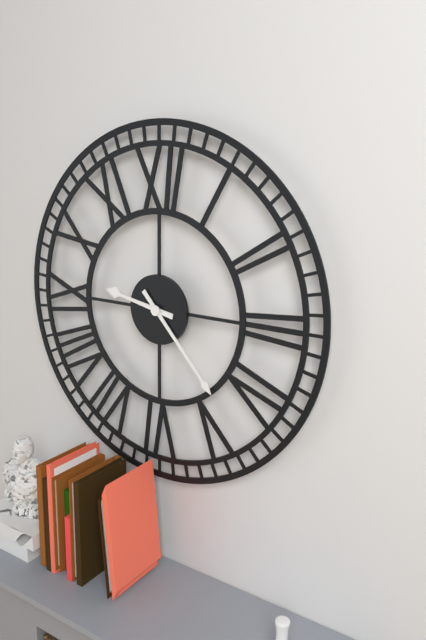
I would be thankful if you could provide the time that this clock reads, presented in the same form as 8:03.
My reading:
9:23
